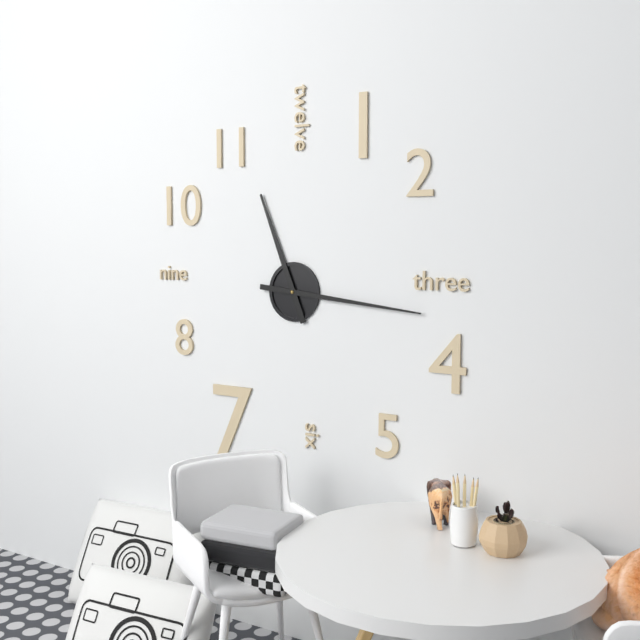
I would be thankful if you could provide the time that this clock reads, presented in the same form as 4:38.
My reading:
11:16
